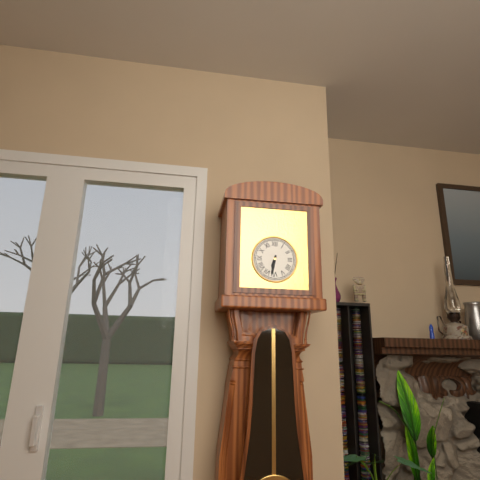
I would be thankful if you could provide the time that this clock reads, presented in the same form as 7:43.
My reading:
6:32
